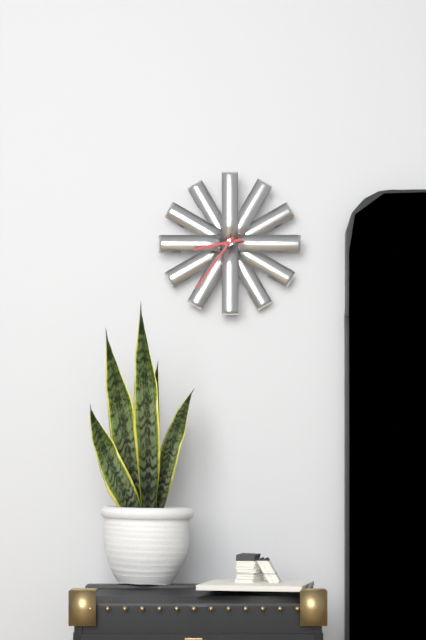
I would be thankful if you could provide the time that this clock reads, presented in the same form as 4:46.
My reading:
8:36
